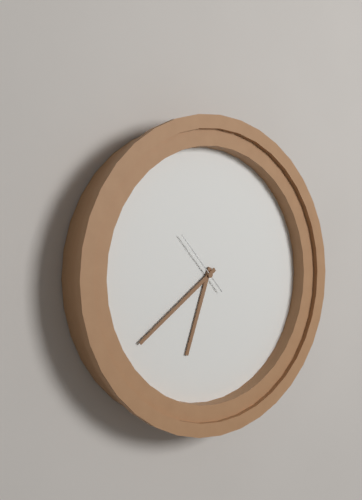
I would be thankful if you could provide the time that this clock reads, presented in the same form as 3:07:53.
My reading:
6:39:53
